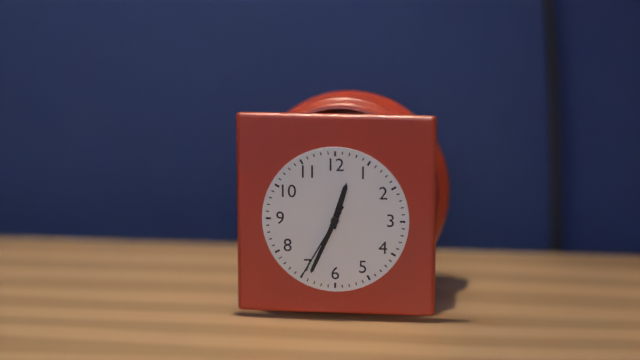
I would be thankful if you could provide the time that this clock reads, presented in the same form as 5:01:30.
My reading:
12:34:35
